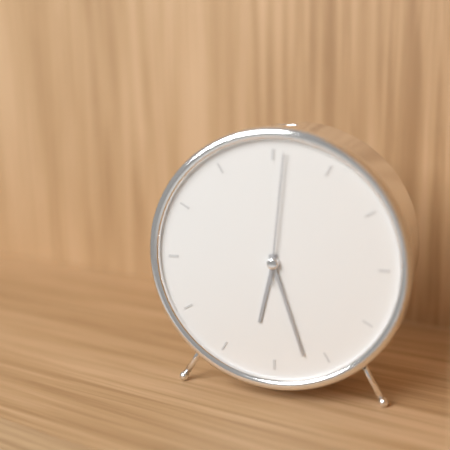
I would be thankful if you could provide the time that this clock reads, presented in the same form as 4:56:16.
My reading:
6:27:01
